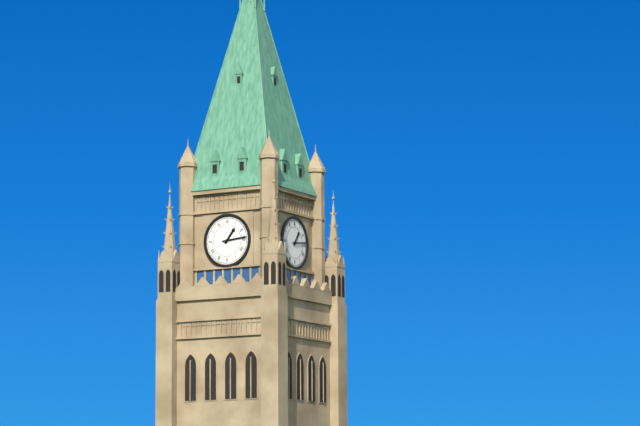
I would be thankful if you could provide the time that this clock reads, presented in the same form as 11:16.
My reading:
1:14
